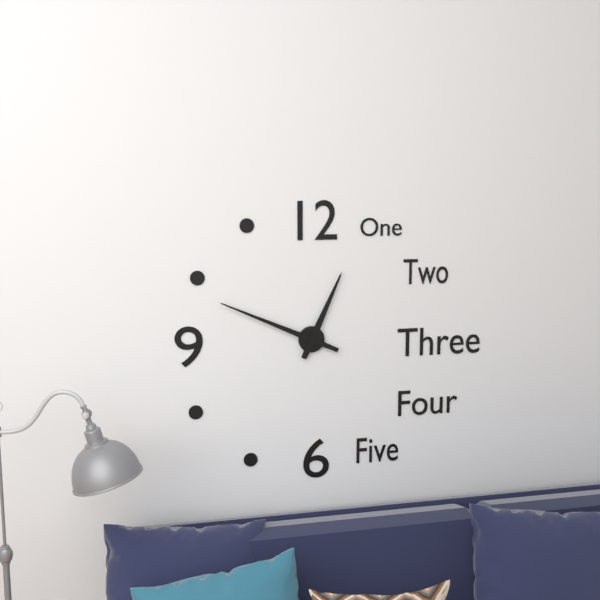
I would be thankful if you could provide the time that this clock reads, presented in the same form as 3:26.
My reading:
12:49
